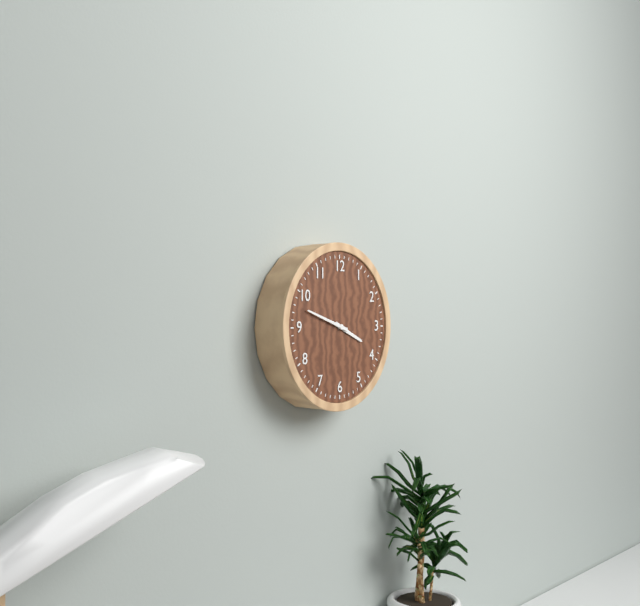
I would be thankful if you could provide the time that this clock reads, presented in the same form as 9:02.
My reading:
3:48
